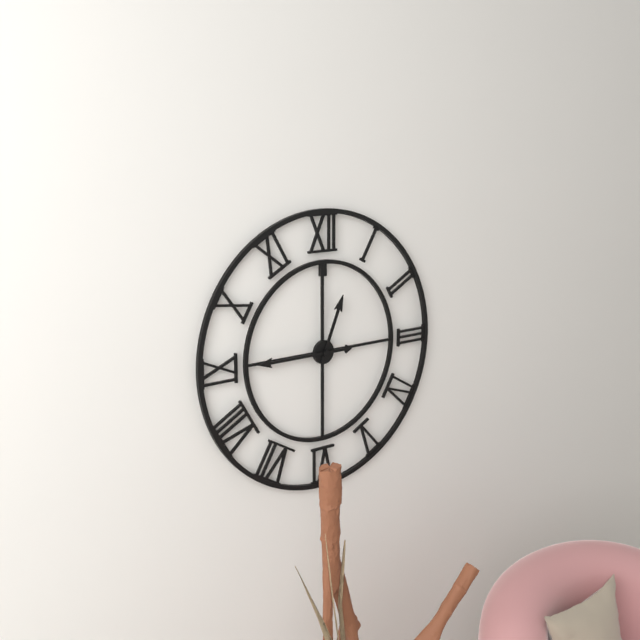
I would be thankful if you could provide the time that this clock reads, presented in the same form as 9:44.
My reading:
12:45
